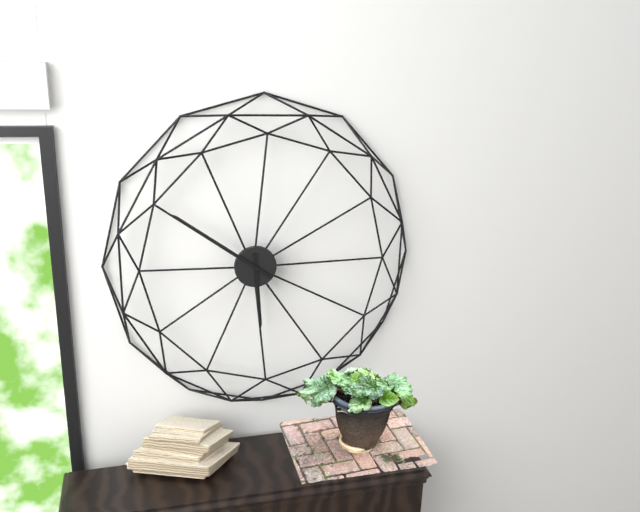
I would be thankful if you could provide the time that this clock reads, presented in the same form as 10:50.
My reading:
5:51
